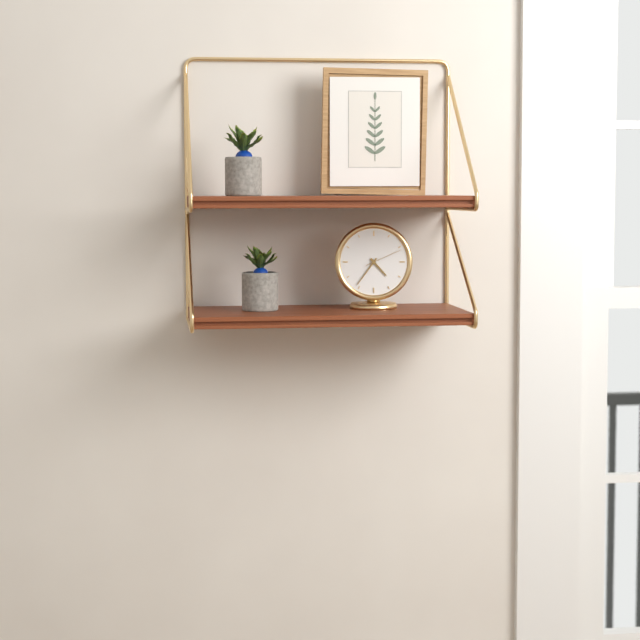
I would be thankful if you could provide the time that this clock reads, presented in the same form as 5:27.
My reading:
4:36
